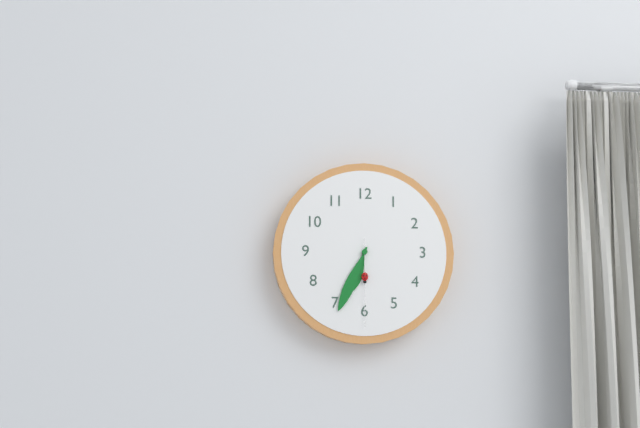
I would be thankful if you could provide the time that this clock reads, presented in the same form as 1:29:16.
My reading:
6:34:30
